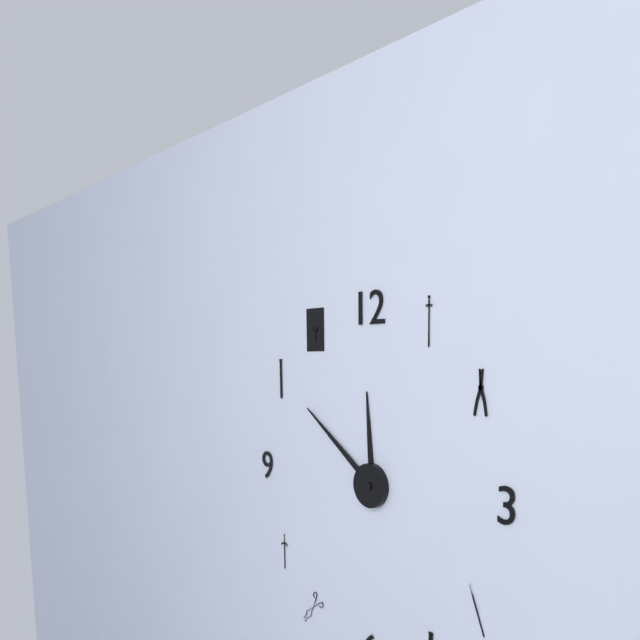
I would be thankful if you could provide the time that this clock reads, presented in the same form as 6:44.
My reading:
11:51
